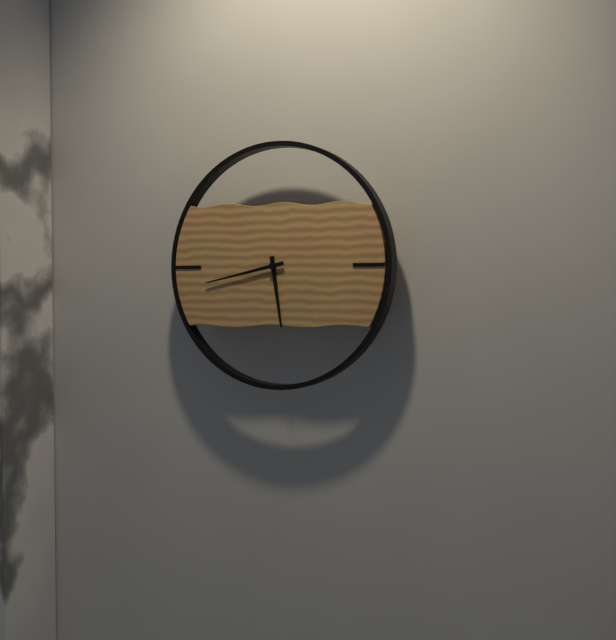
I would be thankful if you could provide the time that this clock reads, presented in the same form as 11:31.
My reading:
5:43
